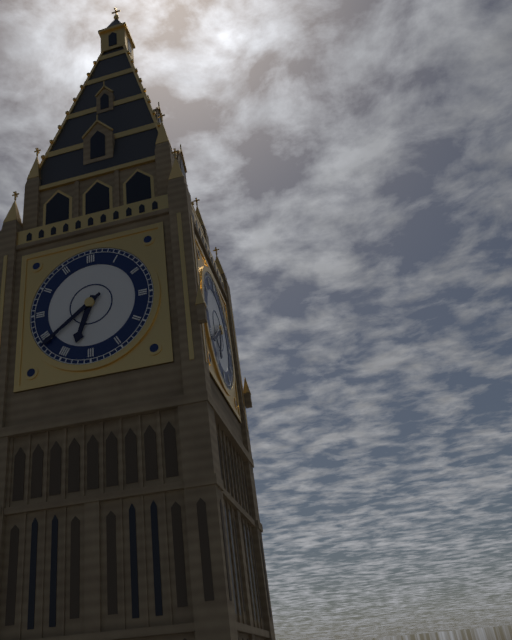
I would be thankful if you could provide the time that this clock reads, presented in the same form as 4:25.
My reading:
6:39
